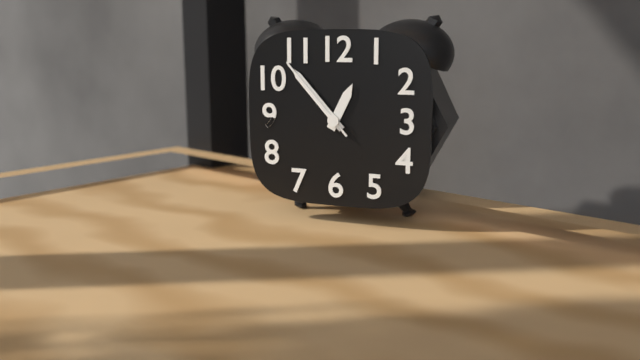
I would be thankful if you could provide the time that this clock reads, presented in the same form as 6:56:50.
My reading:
12:53:53
